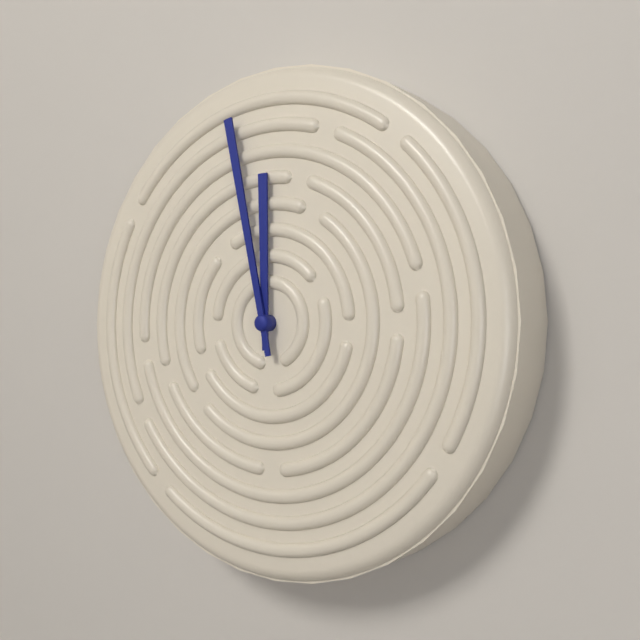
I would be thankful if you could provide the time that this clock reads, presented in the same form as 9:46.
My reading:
11:58
